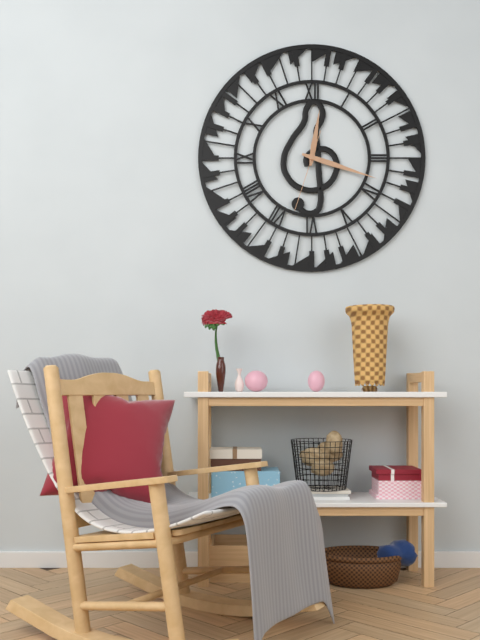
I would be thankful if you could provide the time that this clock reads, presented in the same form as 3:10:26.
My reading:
12:18:33
